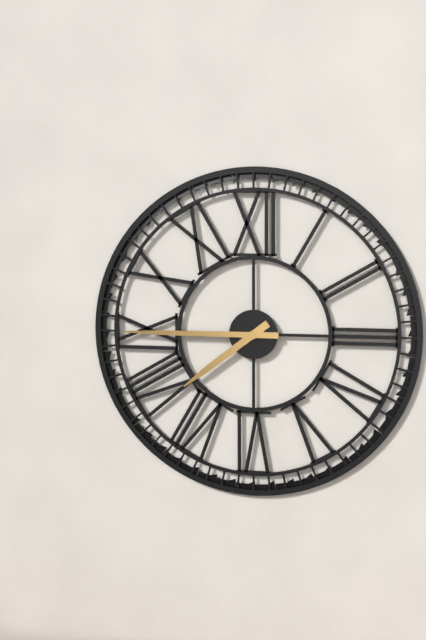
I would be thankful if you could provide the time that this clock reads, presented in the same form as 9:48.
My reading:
7:45
